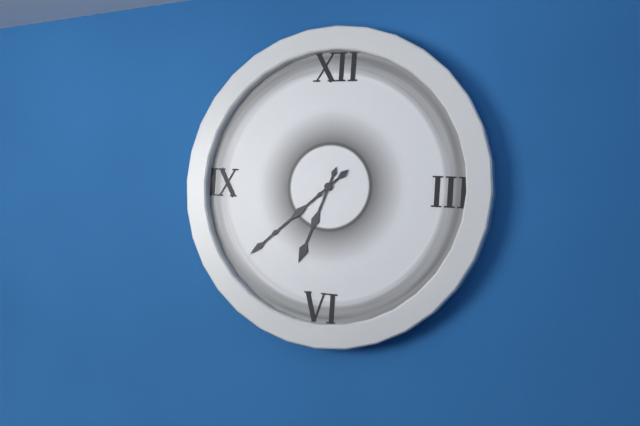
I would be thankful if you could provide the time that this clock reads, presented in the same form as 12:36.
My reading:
6:38
